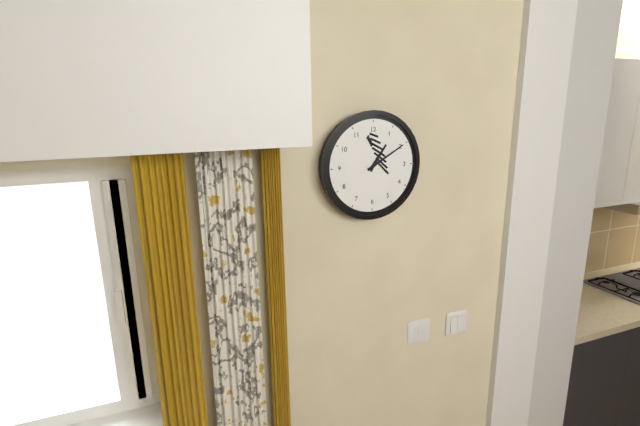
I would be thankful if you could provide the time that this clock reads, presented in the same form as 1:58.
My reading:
1:10
